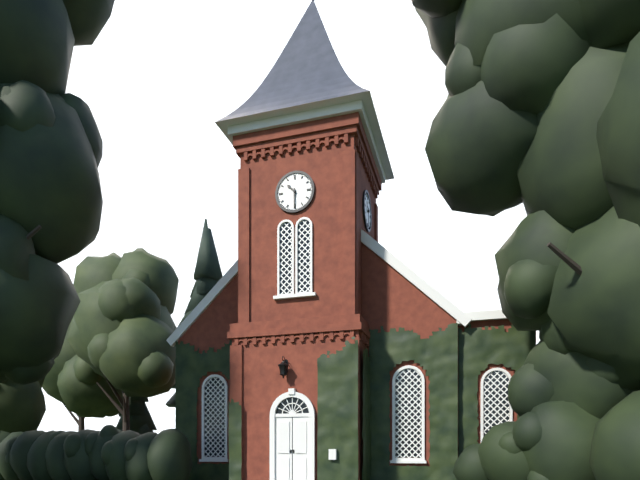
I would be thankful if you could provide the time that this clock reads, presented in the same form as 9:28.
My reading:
10:30
